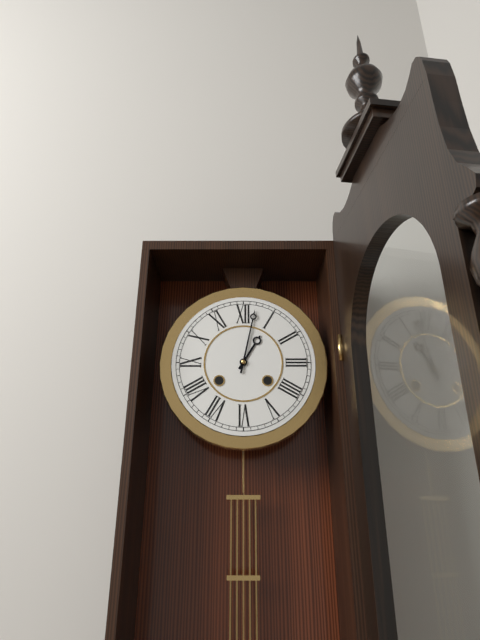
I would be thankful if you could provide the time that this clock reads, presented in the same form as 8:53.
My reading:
1:02
